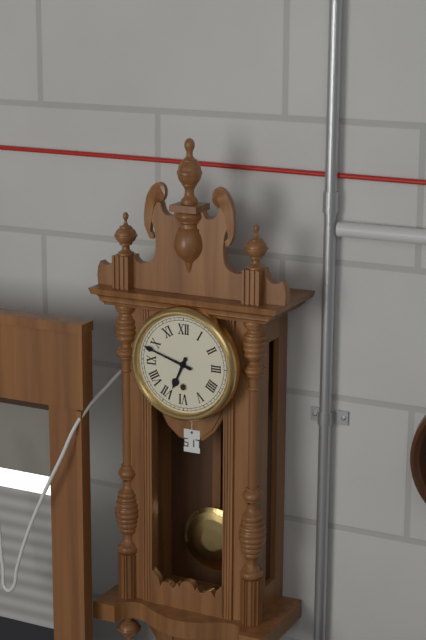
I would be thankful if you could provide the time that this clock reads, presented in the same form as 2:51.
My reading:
6:48
